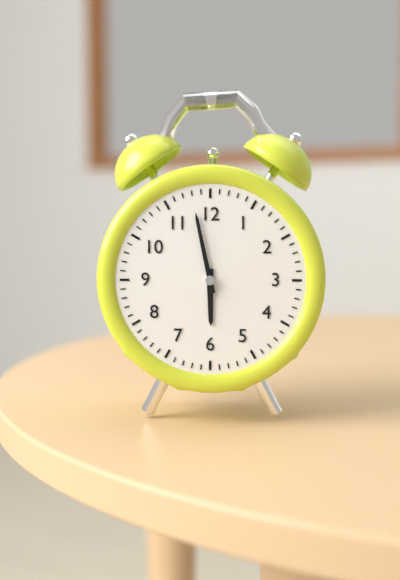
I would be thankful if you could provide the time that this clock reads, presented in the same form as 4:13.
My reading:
5:58
